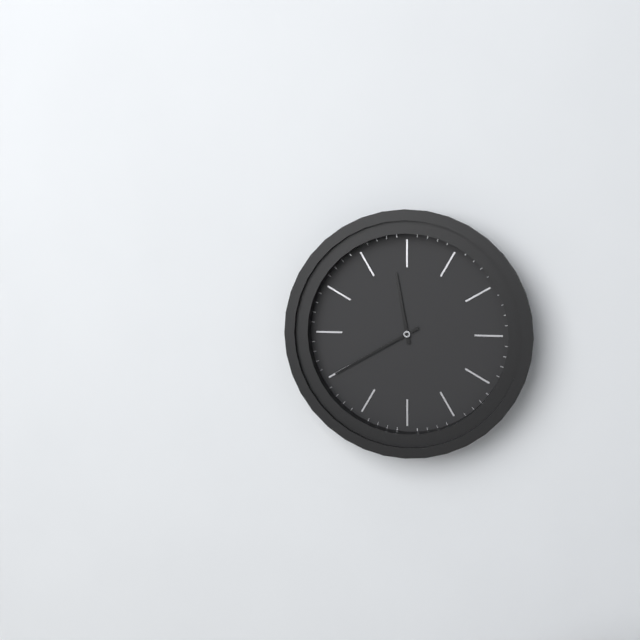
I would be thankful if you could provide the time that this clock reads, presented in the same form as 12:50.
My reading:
11:40
